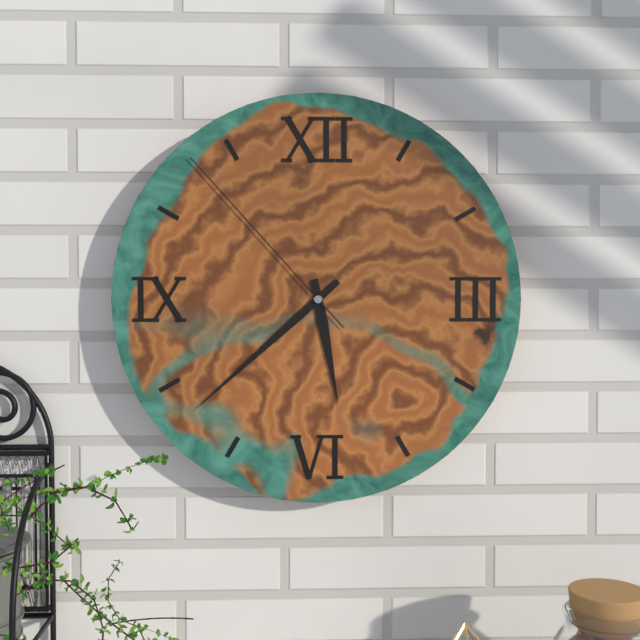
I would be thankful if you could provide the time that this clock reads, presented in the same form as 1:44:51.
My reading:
5:38:53
